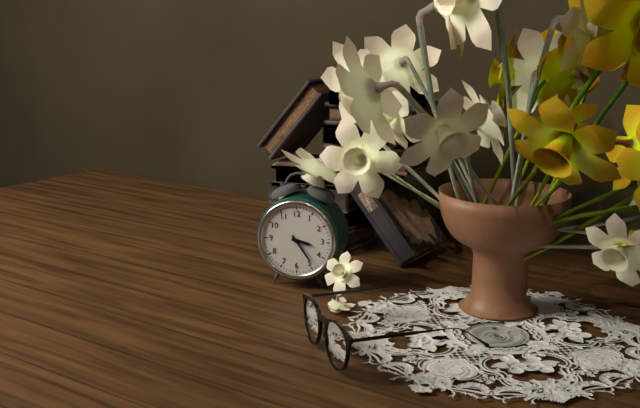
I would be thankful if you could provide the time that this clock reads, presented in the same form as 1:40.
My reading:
3:24
